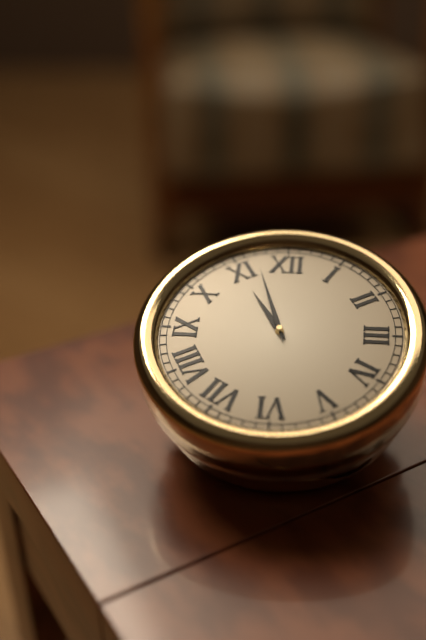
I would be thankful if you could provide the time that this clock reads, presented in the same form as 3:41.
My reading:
10:57
